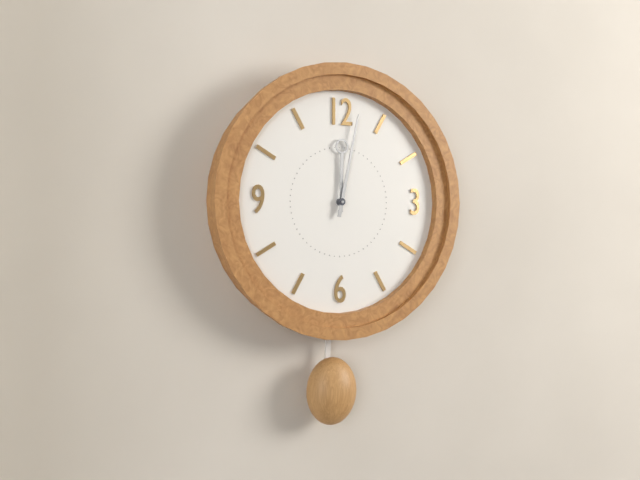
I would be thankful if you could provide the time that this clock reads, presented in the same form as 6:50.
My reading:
12:02
